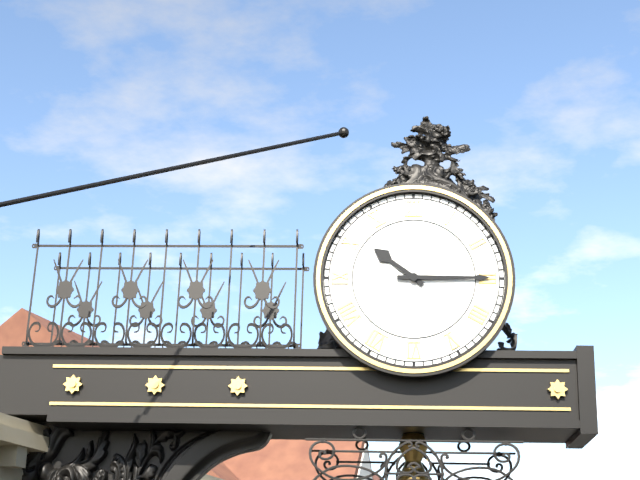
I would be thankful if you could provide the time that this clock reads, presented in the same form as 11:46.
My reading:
10:15
